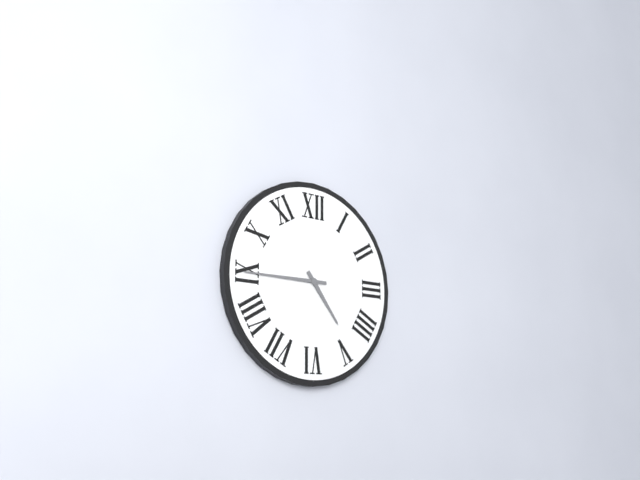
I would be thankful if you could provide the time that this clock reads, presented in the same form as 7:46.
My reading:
4:45
